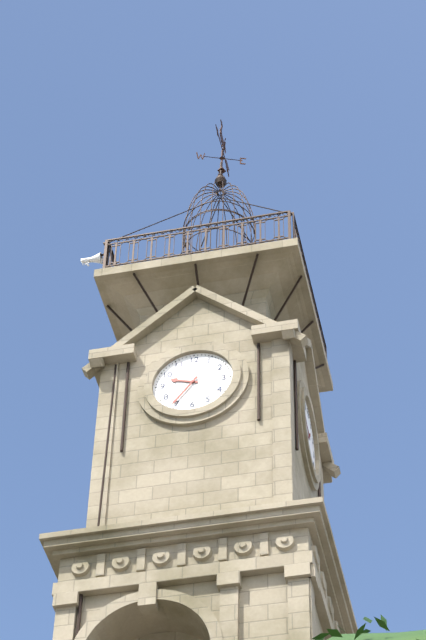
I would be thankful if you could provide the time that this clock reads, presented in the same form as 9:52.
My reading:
9:36
